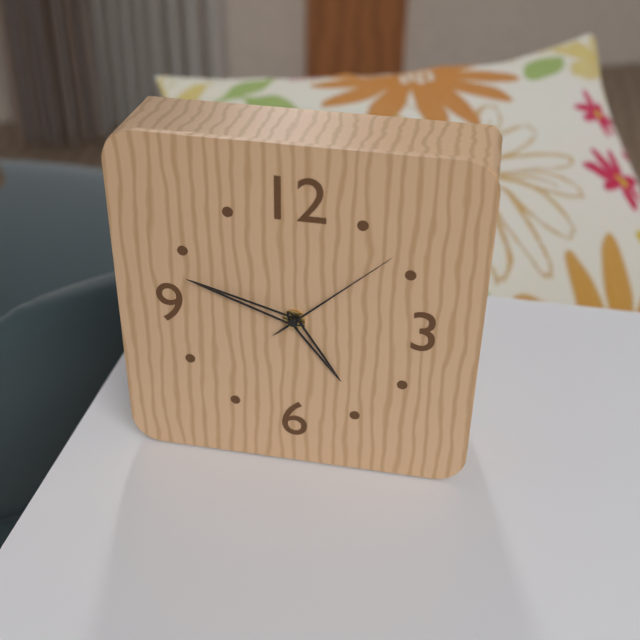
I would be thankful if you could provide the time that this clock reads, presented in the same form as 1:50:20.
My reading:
4:48:08
